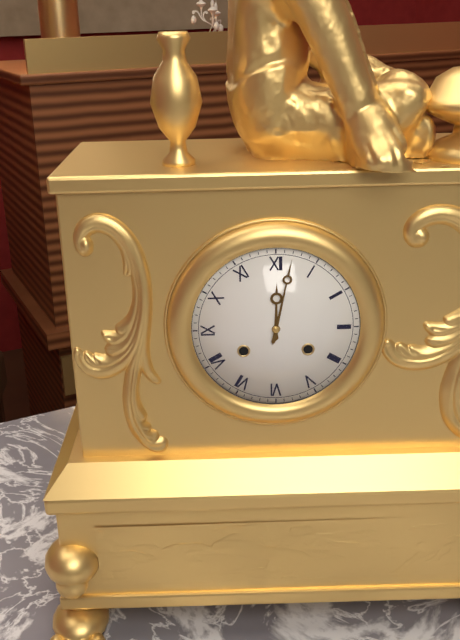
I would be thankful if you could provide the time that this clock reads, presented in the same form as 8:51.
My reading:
12:02
